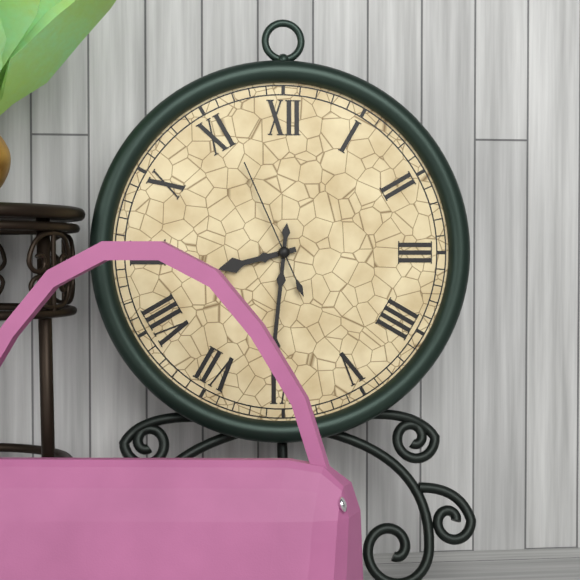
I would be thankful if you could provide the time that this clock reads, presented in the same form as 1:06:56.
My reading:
8:31:56
